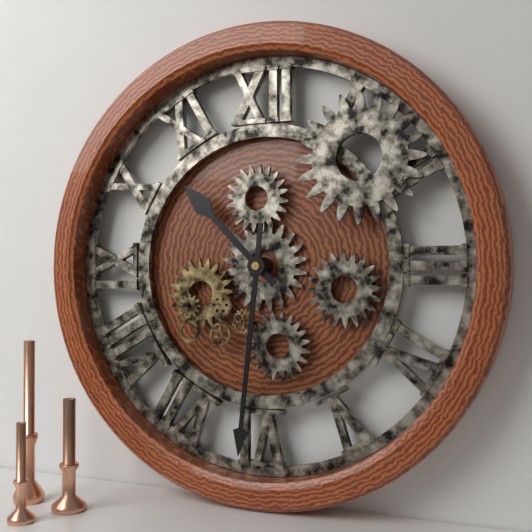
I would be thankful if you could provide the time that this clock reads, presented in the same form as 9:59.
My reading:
10:31
